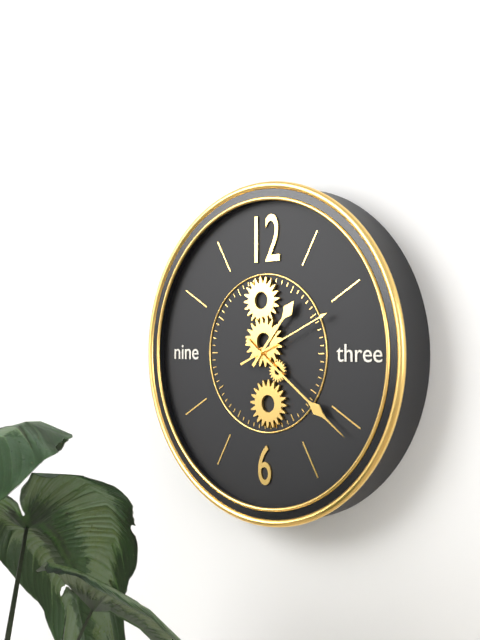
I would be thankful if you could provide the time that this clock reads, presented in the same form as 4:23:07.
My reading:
1:21:11
